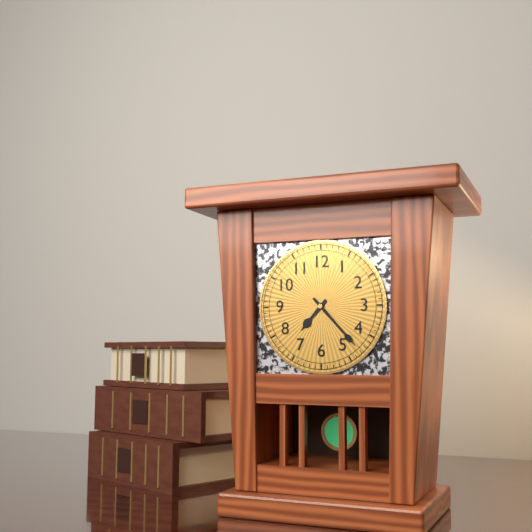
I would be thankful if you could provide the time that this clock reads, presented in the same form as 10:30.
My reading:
7:23
